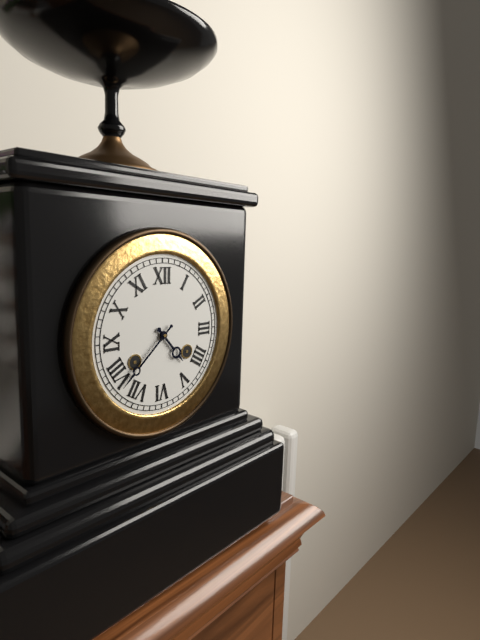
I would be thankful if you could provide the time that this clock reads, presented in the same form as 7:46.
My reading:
4:38
